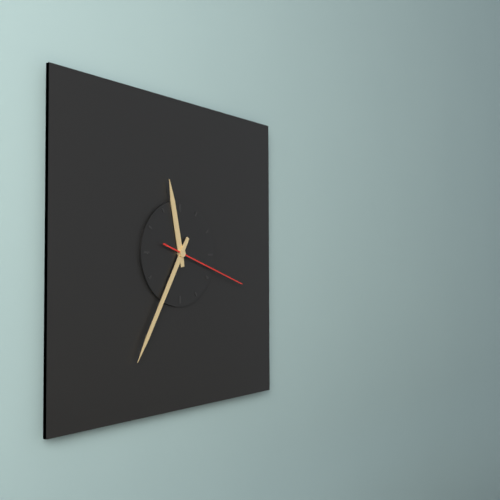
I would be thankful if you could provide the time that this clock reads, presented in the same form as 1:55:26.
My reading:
11:35:18
